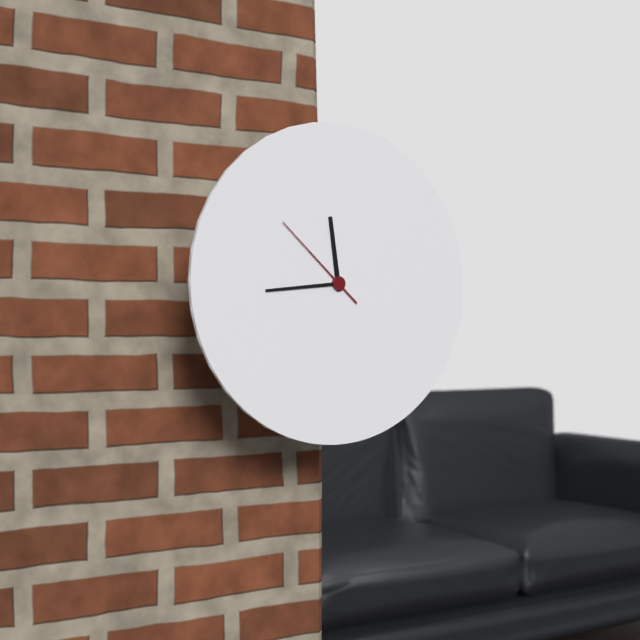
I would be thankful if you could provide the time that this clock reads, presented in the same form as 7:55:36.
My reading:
11:44:52
